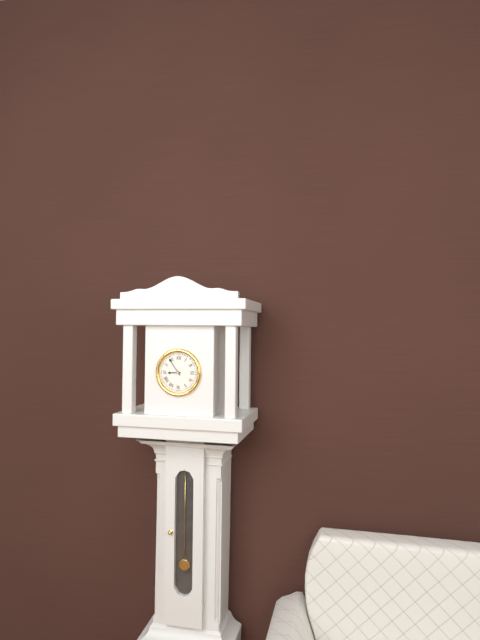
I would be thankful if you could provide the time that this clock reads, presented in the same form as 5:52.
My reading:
8:54
